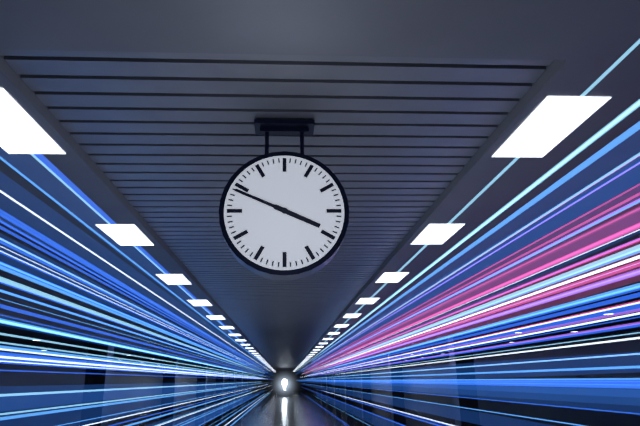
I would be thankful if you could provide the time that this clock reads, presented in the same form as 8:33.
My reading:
3:49
